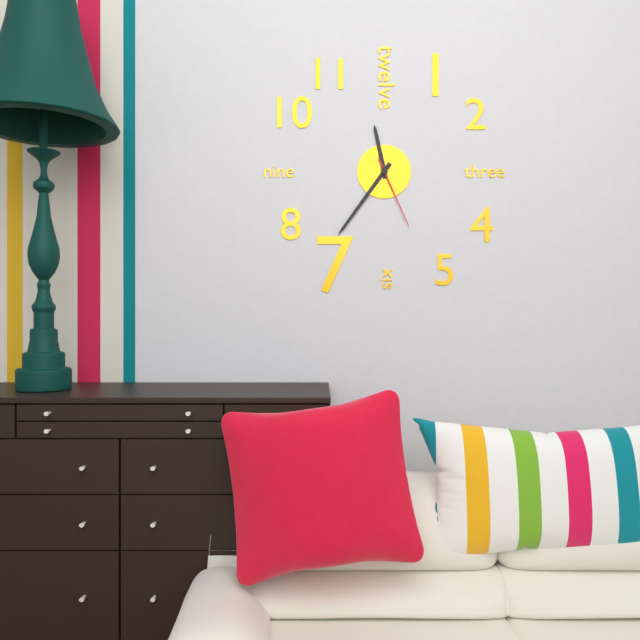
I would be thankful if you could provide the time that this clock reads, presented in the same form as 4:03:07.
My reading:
11:36:26
